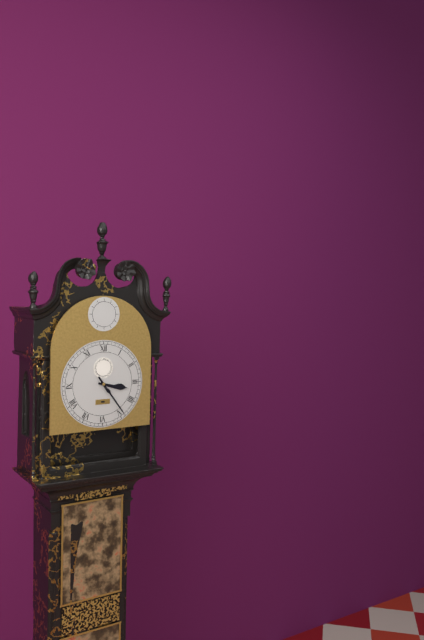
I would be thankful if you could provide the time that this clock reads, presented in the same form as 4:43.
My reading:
3:24
